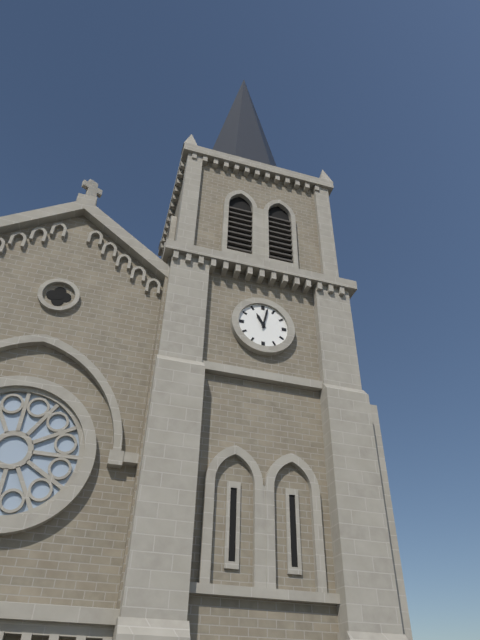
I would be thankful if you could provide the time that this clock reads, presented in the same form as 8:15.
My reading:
11:02
